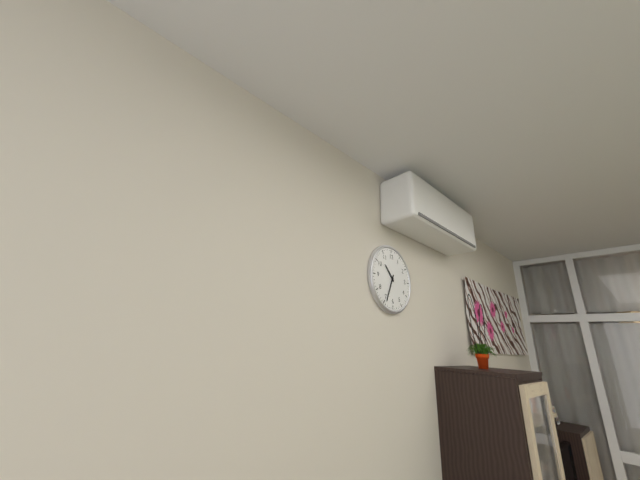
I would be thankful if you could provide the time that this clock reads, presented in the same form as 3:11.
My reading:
10:34
